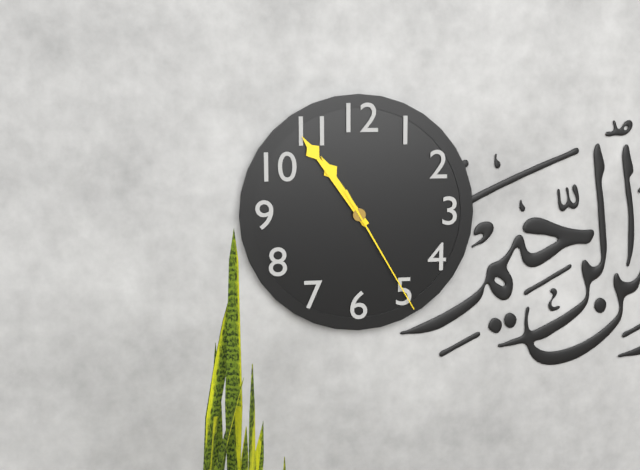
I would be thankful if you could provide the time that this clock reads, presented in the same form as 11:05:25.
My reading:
10:54:25
